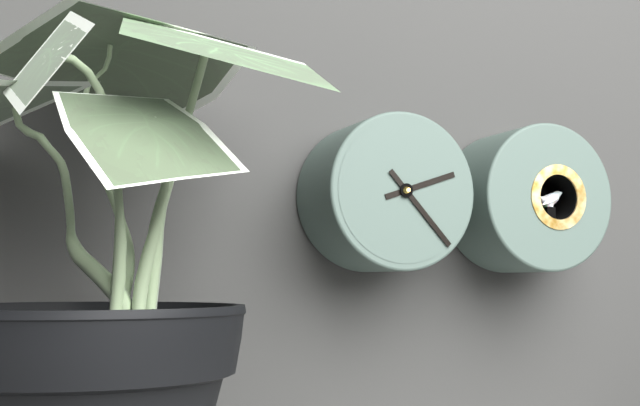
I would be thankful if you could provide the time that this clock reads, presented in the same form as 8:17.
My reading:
2:23
